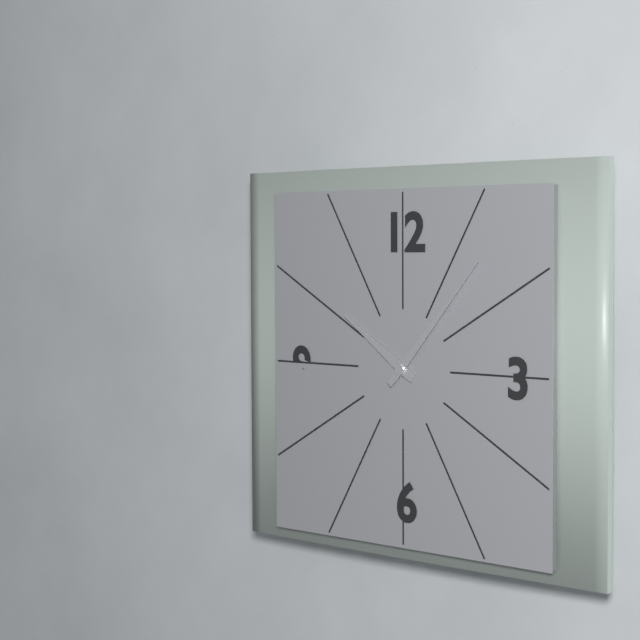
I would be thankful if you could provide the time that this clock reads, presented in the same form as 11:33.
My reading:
10:07
